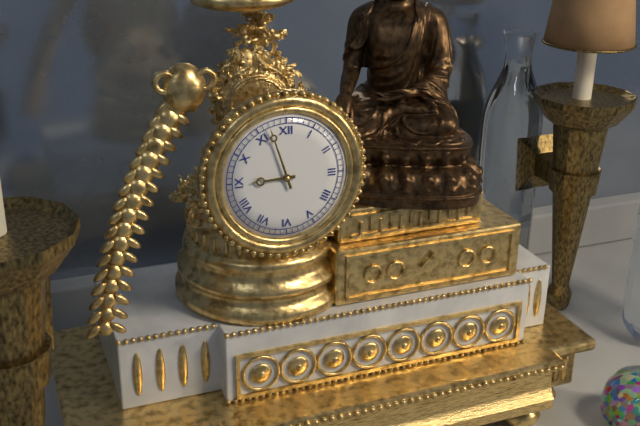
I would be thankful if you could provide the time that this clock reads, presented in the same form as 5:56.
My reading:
8:57
